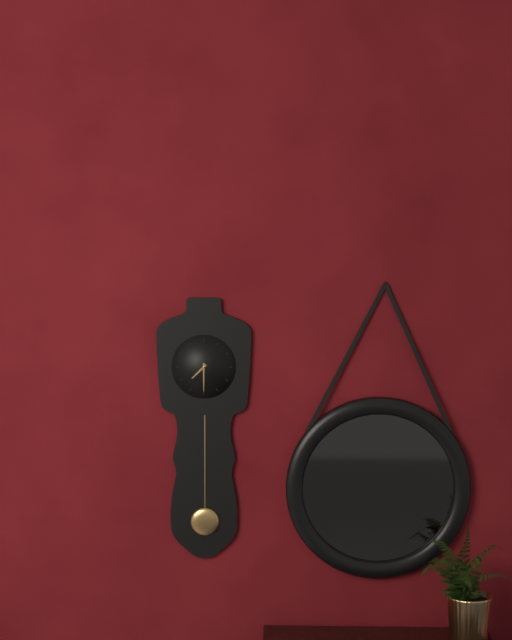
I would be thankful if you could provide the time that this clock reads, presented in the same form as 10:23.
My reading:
7:30
